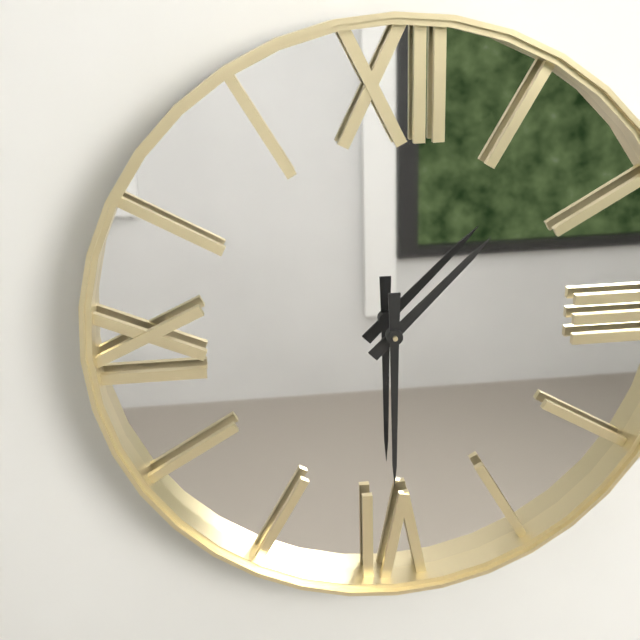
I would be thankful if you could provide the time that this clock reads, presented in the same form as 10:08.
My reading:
1:30
